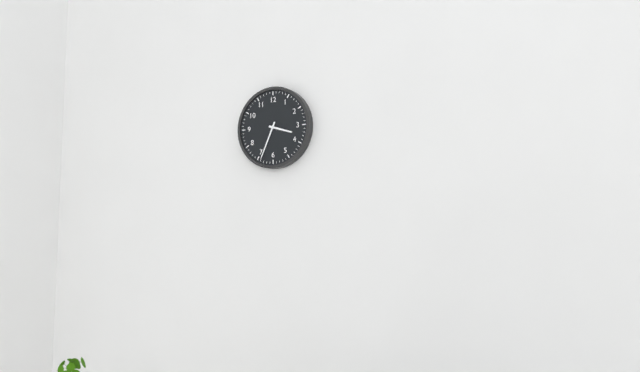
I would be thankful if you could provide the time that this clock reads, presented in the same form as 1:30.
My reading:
3:34
